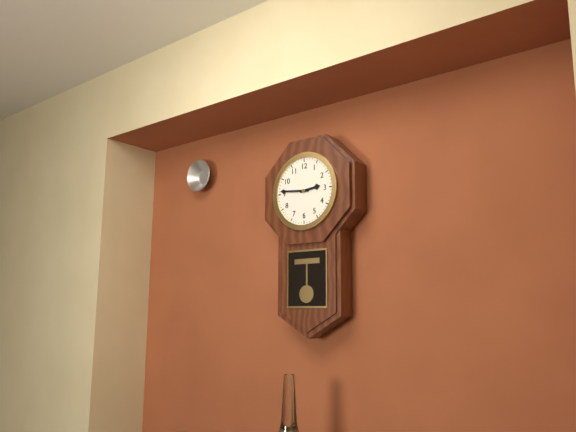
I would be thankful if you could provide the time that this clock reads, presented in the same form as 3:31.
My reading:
2:46
